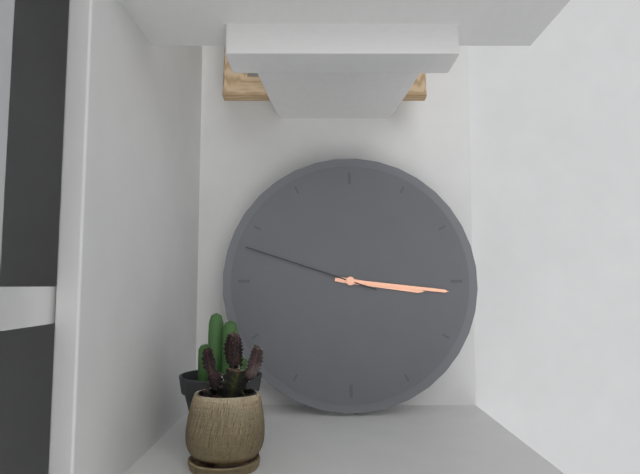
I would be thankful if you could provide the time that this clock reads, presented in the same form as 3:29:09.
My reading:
3:16:48
